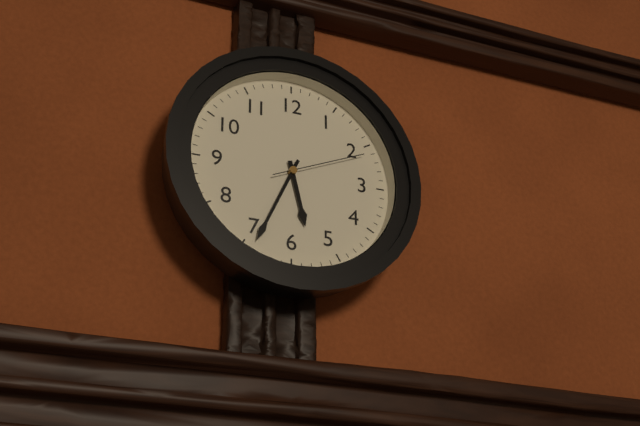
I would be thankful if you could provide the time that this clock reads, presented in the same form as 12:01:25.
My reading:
5:34:11
